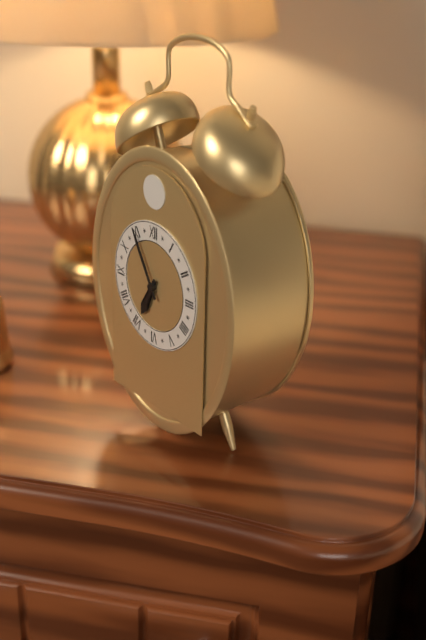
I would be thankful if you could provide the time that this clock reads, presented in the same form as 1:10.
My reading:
6:55
